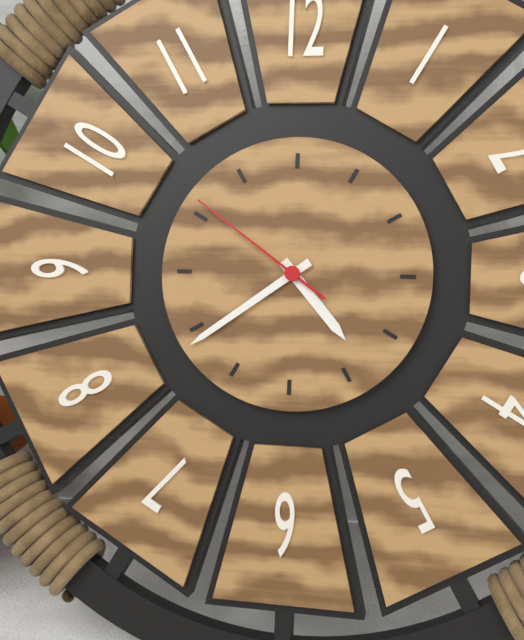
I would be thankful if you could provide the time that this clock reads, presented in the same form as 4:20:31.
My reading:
4:39:51
